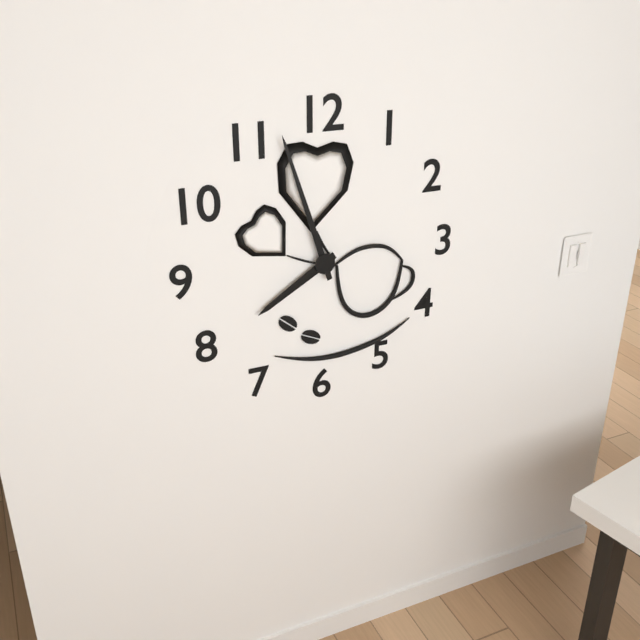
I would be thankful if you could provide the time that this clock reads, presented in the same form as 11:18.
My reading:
7:57
